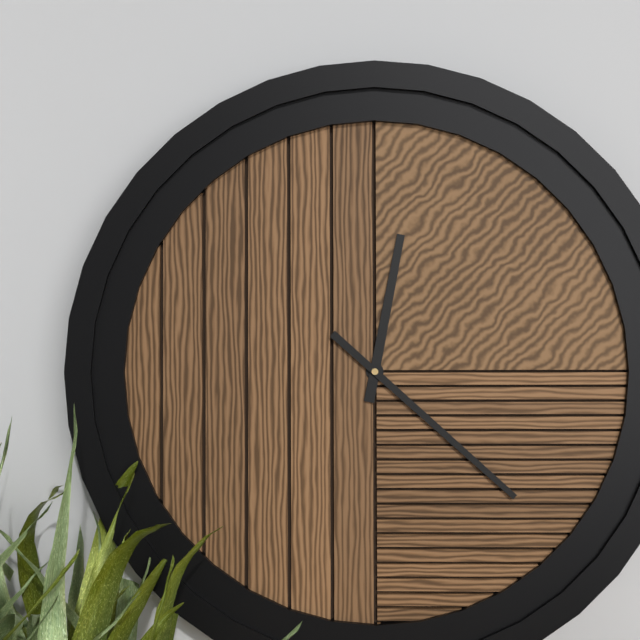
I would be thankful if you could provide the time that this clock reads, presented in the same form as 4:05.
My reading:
12:22
